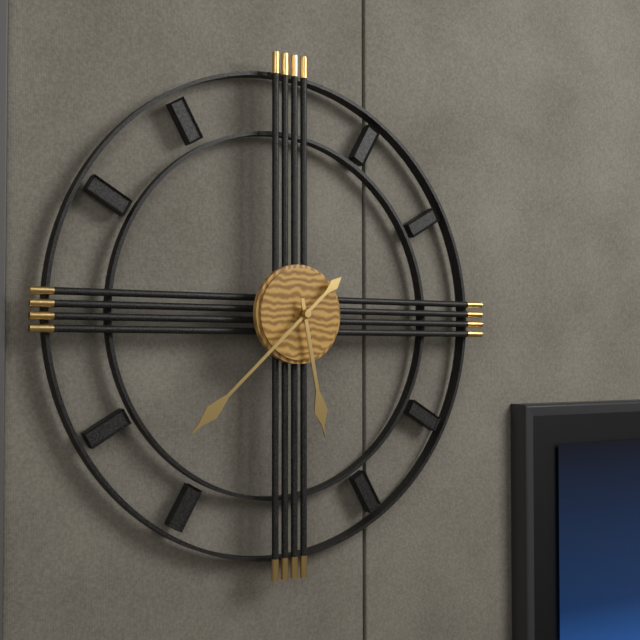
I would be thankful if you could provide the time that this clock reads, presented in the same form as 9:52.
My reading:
5:38
